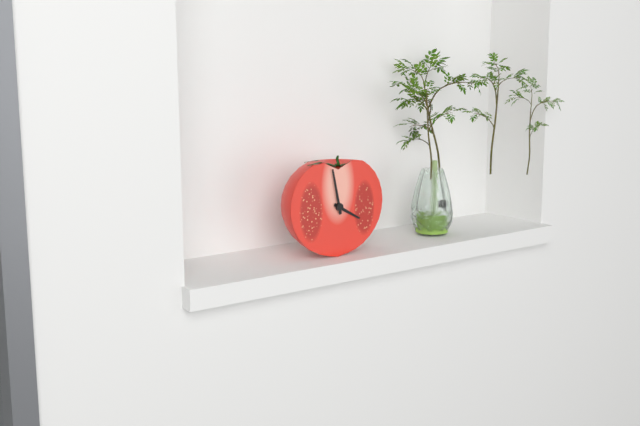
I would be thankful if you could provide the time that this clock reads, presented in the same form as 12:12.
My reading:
3:58
